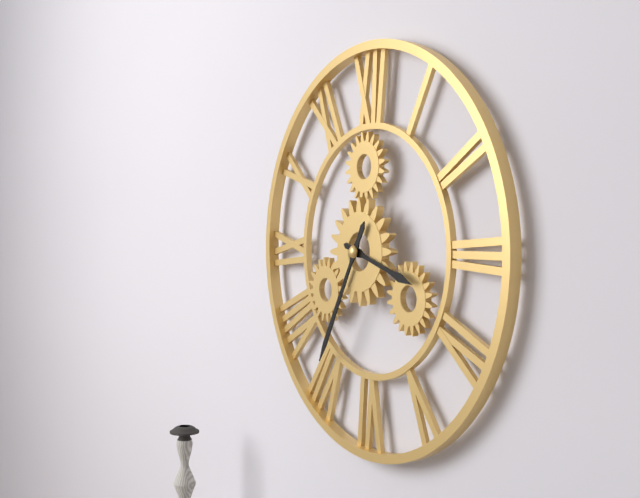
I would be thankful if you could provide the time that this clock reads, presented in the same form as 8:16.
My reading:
3:35
